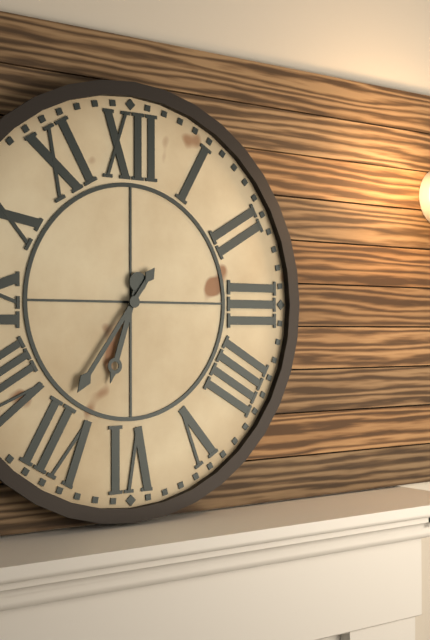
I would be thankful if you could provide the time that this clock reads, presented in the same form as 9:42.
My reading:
6:36
